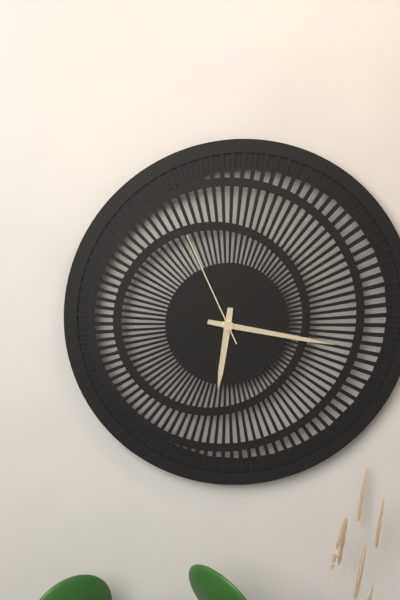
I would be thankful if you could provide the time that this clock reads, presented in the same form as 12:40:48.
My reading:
6:17:56
